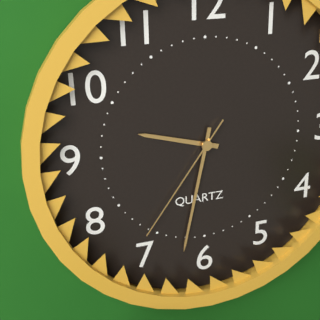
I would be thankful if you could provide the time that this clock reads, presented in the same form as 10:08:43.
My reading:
9:32:36
